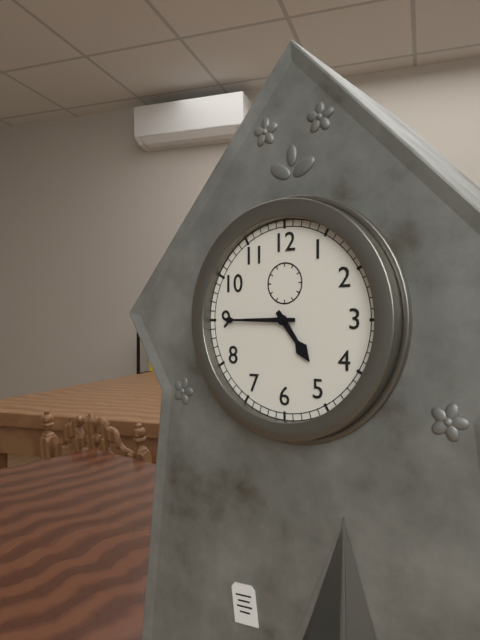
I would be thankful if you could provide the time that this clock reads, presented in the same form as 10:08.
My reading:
4:45
